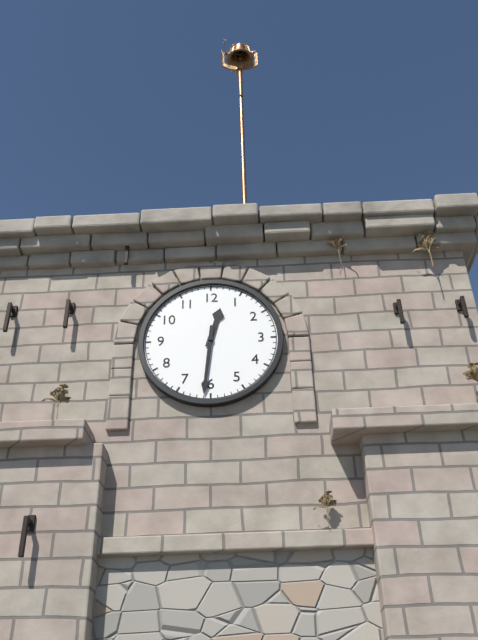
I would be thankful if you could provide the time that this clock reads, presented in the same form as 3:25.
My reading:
12:31
